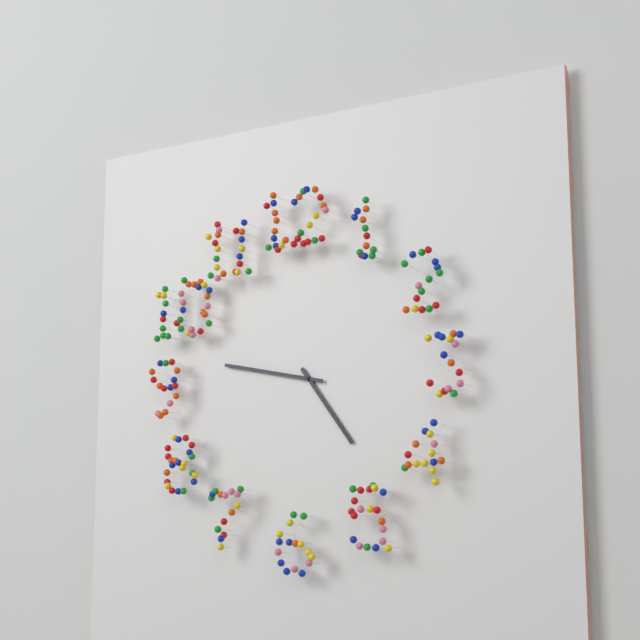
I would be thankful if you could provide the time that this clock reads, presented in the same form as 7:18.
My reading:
4:47
